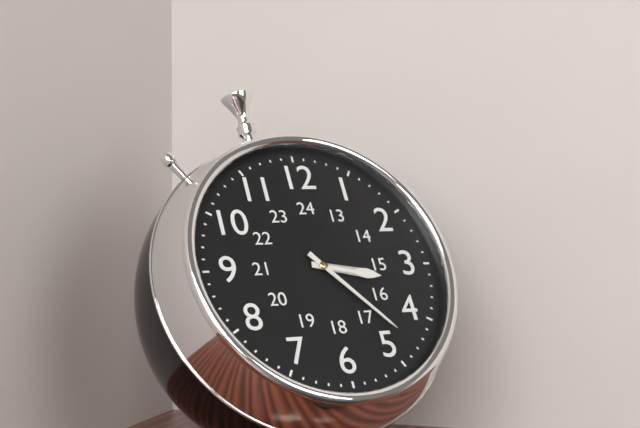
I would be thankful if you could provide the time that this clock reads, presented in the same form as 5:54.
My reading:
3:23
